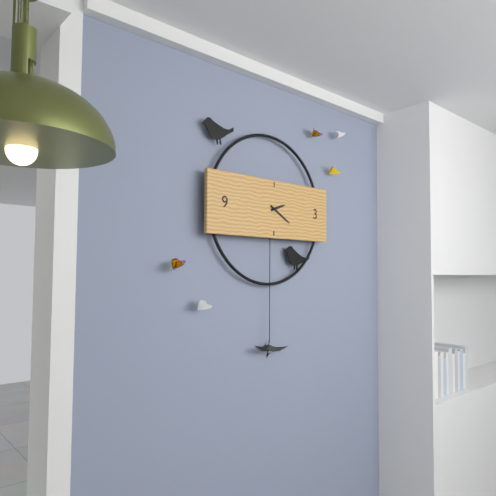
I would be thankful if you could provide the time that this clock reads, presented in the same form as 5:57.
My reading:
2:20
